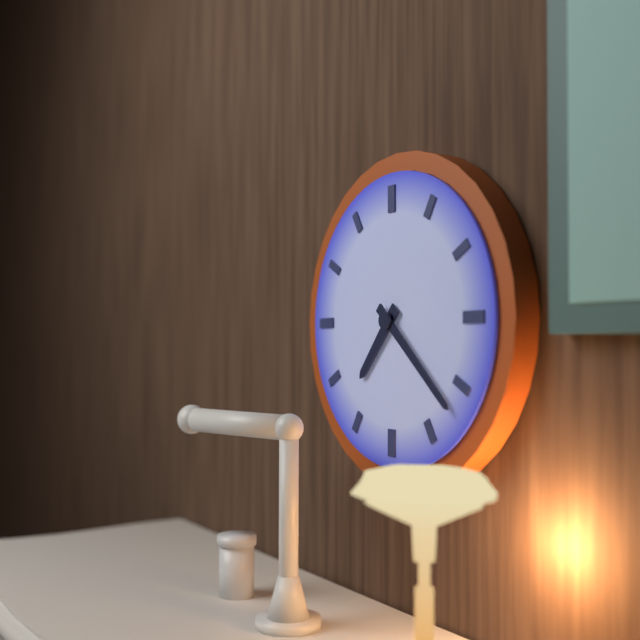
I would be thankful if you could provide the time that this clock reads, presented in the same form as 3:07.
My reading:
7:22
